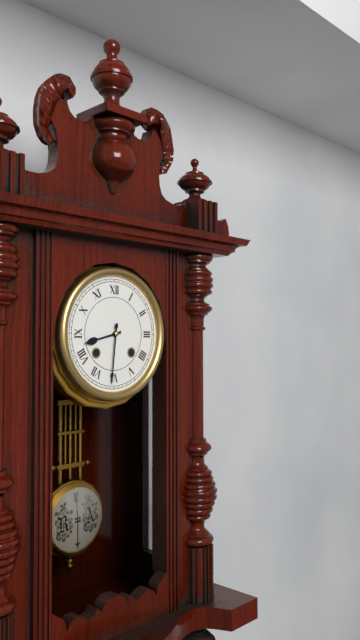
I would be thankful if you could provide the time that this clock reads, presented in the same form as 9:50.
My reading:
8:31
